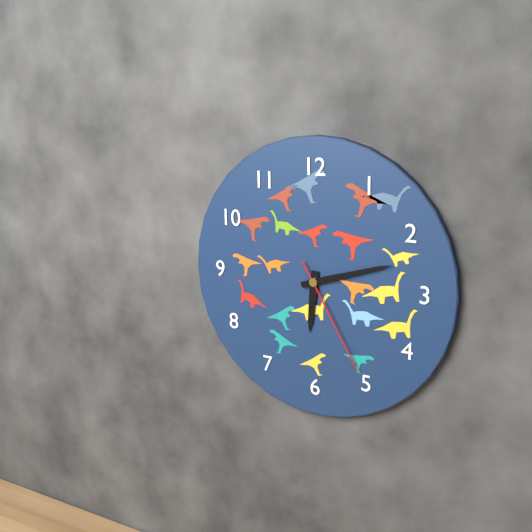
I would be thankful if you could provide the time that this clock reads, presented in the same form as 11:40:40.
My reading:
6:12:25
